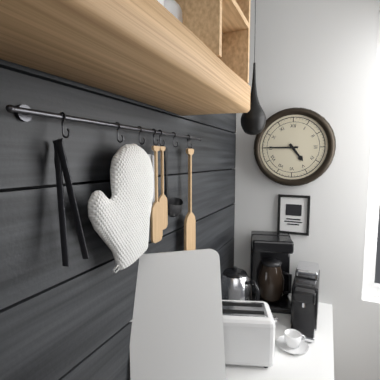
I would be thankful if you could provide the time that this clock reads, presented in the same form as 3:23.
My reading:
4:45
